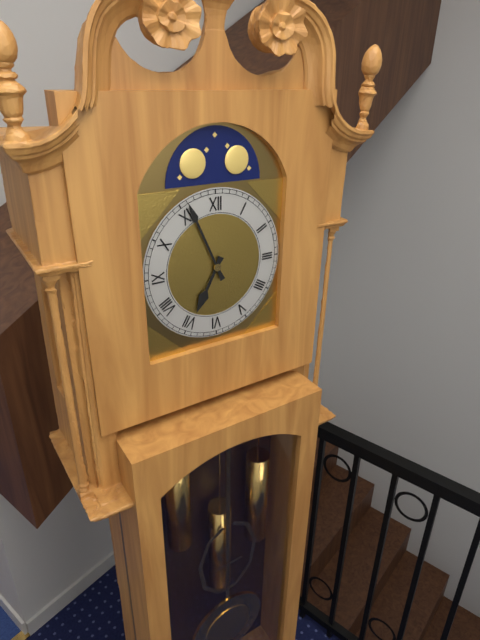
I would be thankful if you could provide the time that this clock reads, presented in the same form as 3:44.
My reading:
6:56
